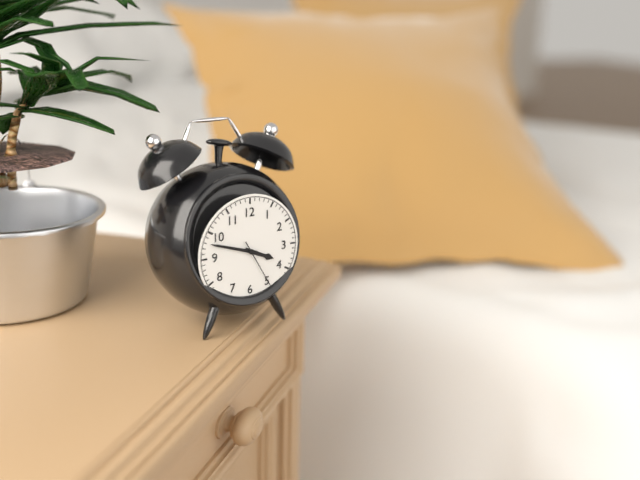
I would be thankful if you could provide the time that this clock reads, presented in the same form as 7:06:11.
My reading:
3:48:25
